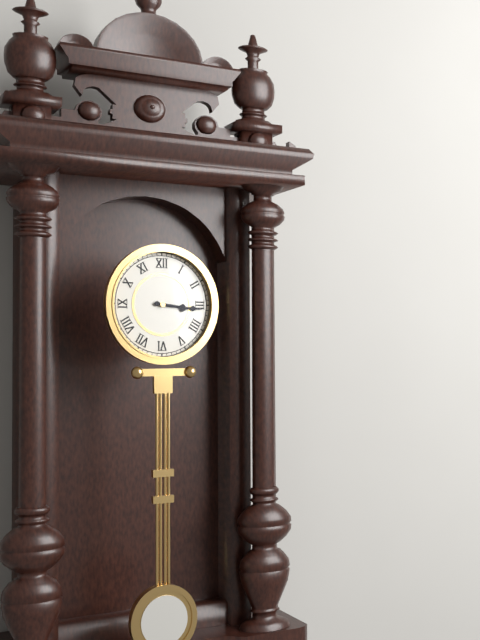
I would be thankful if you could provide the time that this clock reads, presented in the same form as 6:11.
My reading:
3:16
